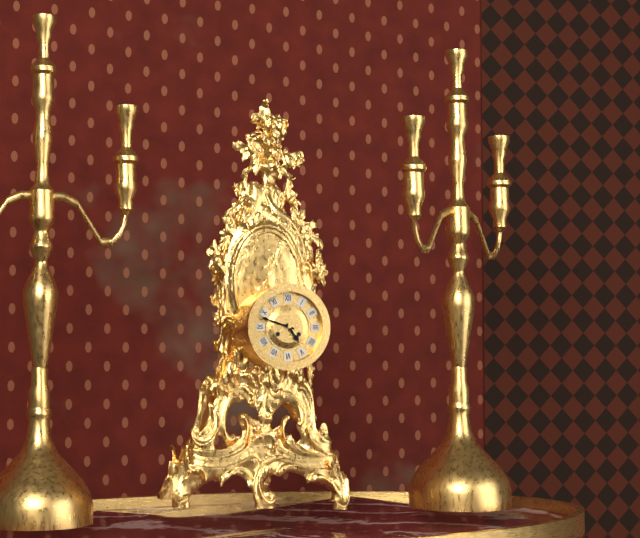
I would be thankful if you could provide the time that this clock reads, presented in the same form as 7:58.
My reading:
4:48
